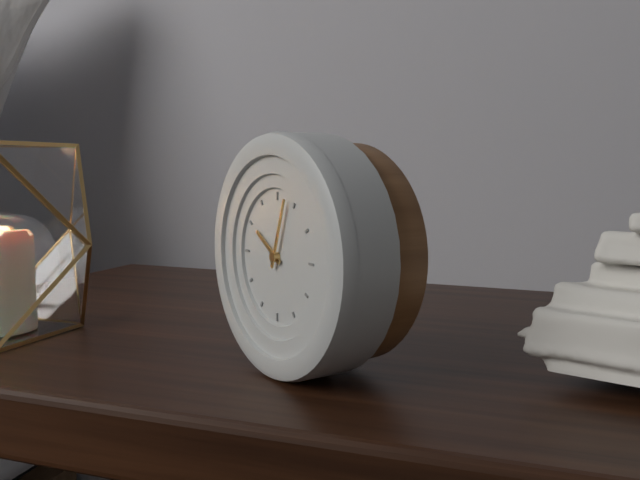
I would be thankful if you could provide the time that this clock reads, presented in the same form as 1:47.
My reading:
10:03
